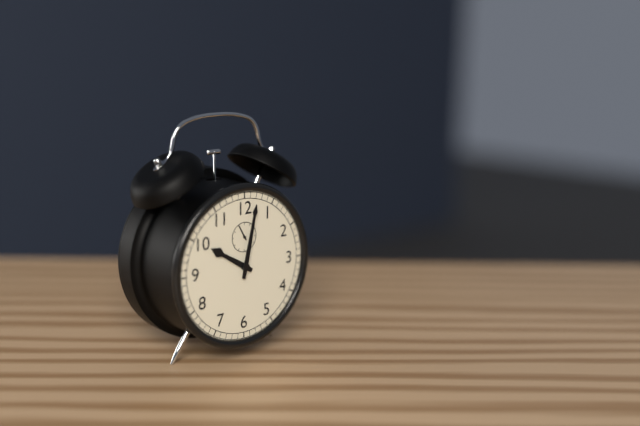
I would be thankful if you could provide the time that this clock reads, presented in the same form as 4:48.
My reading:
10:02
